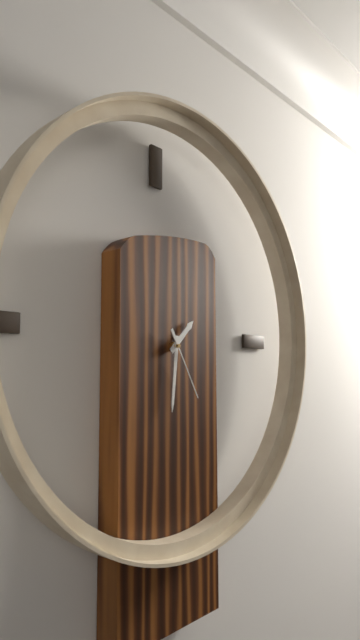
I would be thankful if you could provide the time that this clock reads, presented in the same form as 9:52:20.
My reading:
1:31:25
